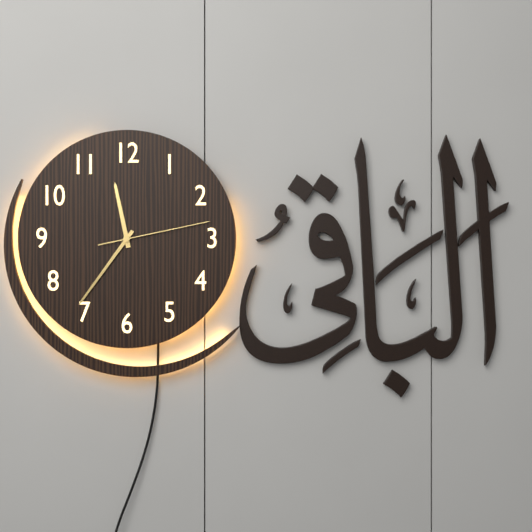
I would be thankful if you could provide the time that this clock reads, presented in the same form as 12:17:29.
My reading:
11:36:13
